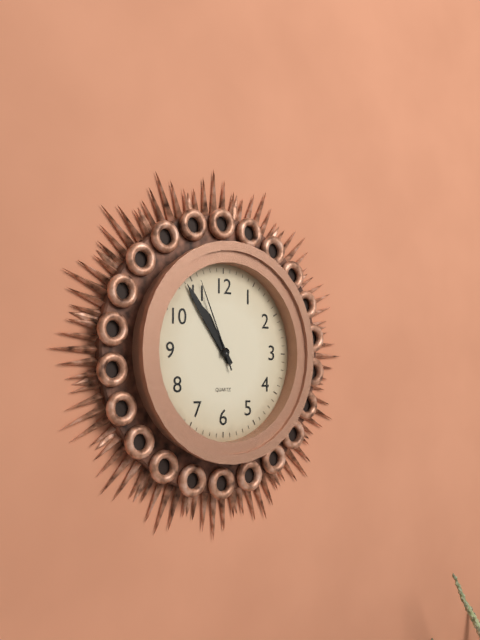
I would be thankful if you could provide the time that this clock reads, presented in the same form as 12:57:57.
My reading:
10:54:56
